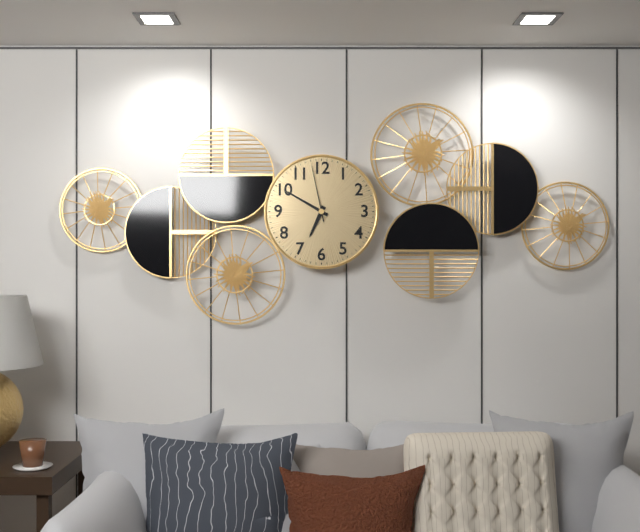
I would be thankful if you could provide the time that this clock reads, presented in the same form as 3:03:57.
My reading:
6:50:58
